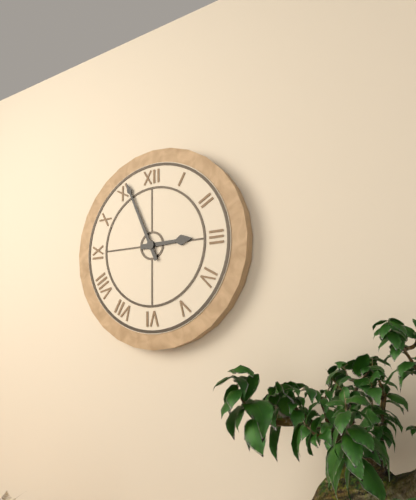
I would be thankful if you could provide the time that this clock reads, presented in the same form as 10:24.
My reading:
2:56
